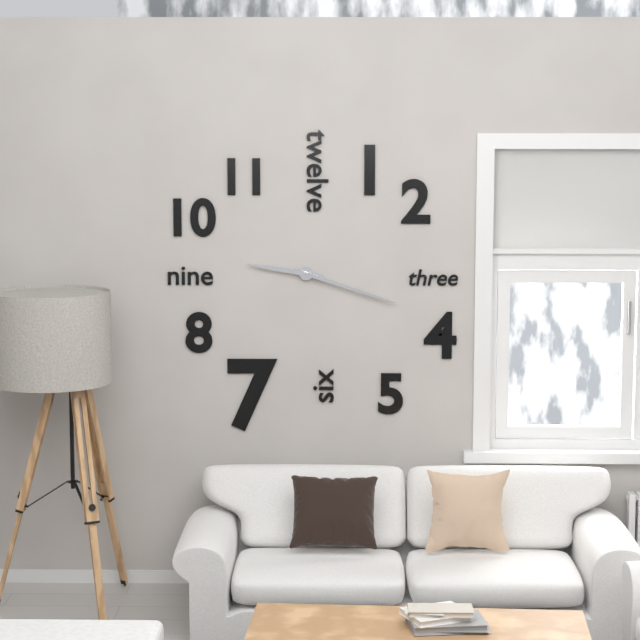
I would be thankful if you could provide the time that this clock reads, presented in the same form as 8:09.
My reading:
9:18
